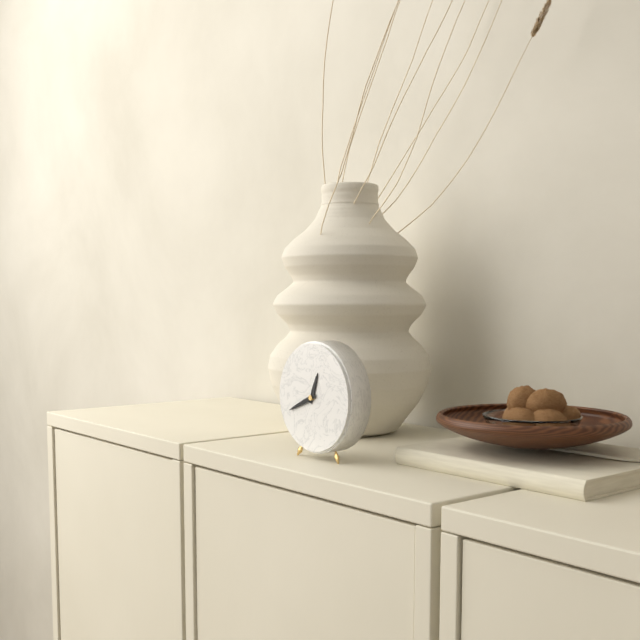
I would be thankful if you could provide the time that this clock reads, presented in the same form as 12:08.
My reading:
12:41
